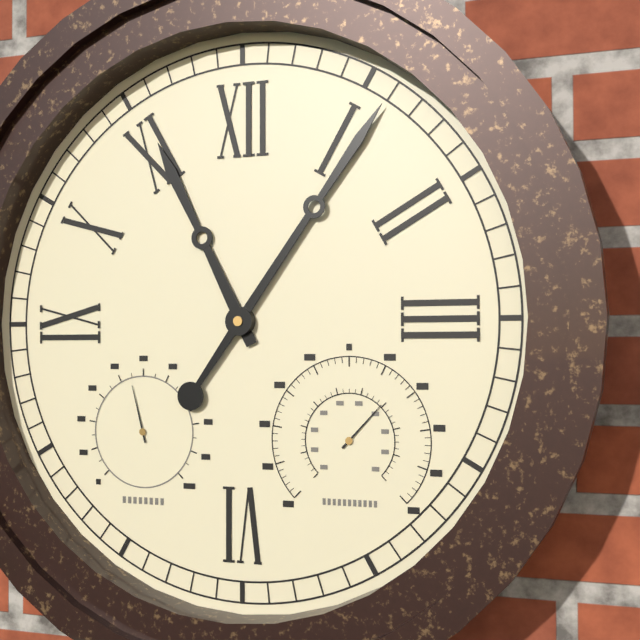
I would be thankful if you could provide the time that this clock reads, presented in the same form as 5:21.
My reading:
11:06
